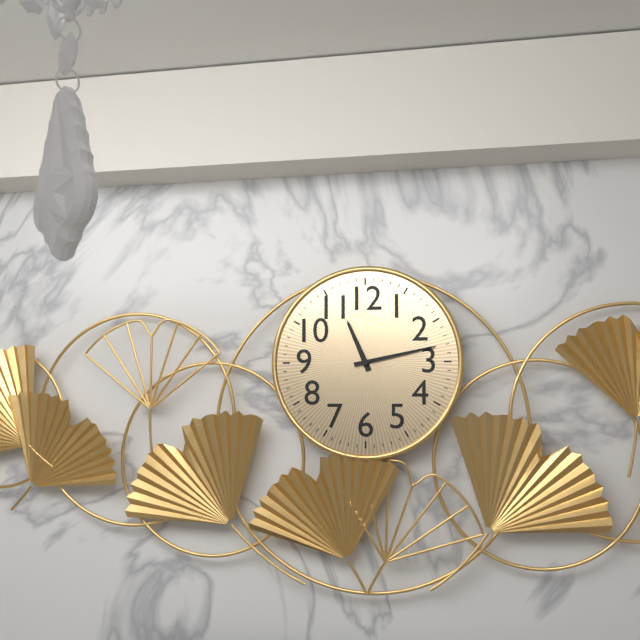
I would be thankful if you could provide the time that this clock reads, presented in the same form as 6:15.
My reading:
11:13
